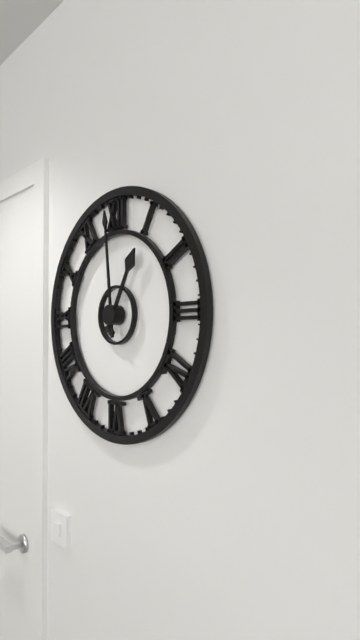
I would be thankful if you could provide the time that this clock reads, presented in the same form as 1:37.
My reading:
12:59
